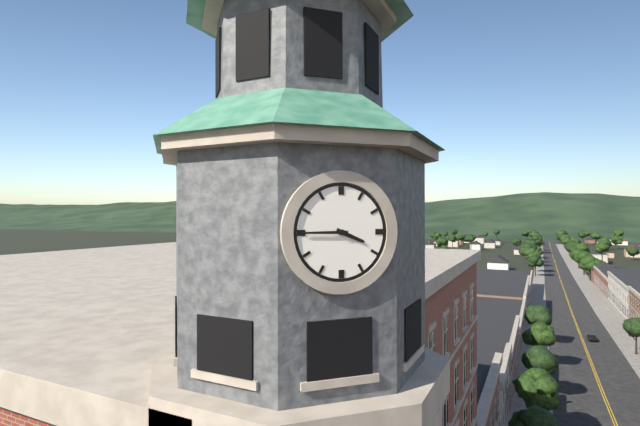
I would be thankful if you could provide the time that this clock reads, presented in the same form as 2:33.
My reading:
3:45
